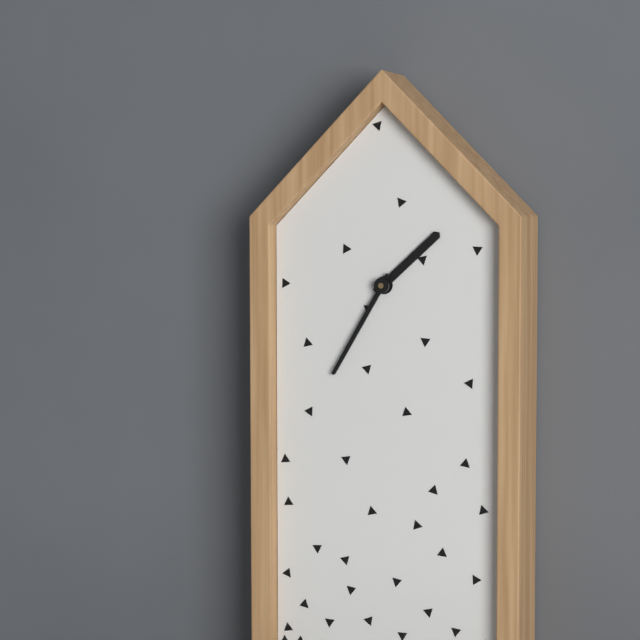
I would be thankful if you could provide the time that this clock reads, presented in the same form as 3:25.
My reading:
1:35
